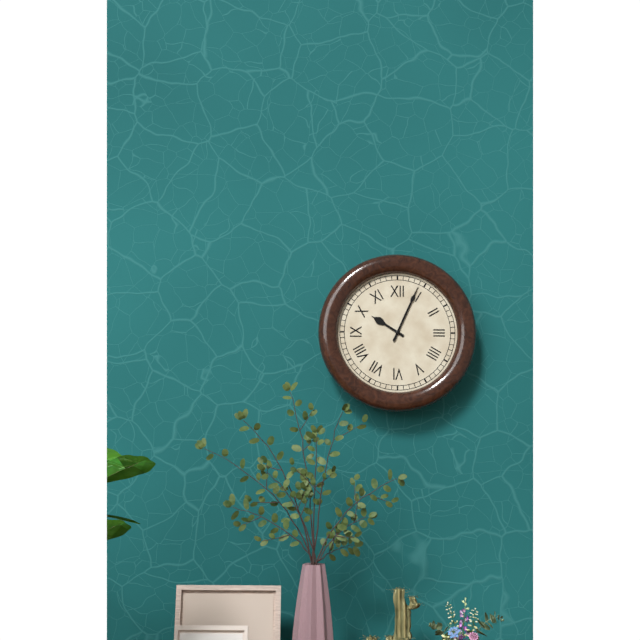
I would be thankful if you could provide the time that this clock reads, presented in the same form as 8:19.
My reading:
10:04
